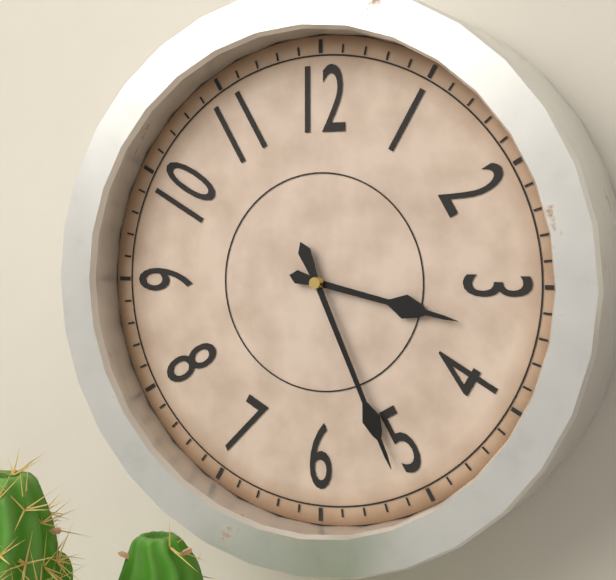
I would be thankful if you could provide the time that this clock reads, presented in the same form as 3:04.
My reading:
3:26
